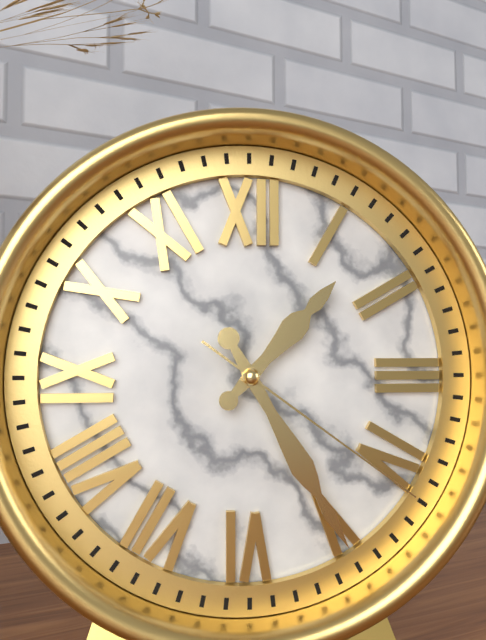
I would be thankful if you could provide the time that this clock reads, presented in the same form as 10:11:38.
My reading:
1:25:21
